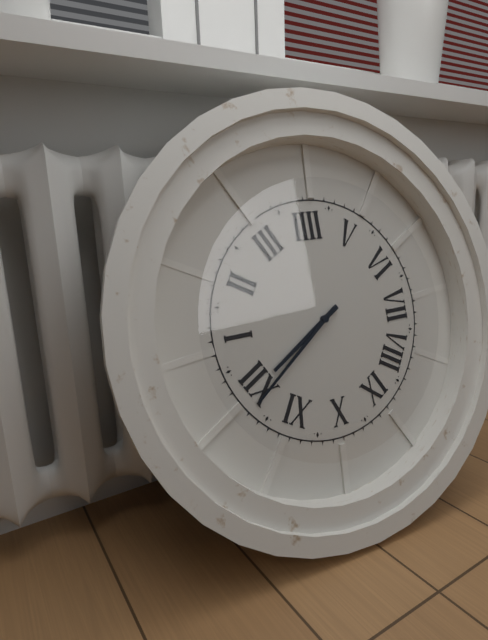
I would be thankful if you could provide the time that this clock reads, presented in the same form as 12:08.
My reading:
11:59
